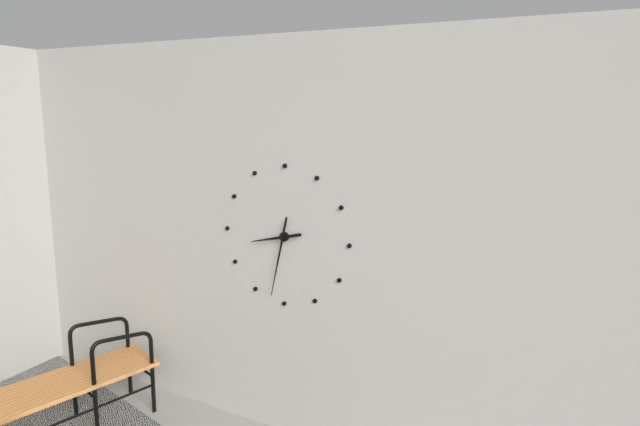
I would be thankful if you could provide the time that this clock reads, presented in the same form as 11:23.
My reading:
8:32
